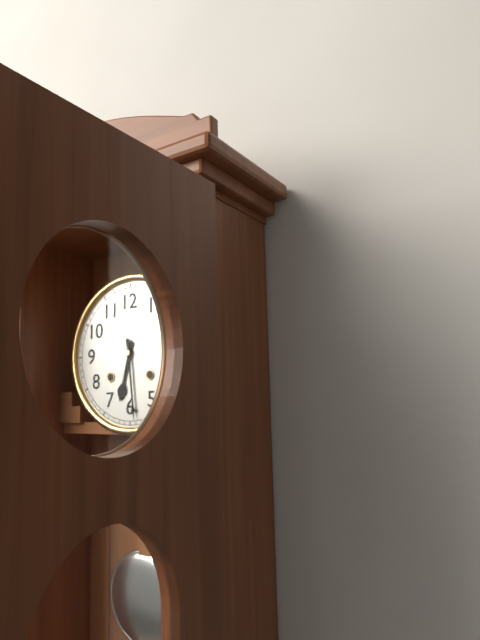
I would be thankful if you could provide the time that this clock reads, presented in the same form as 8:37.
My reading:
6:29
